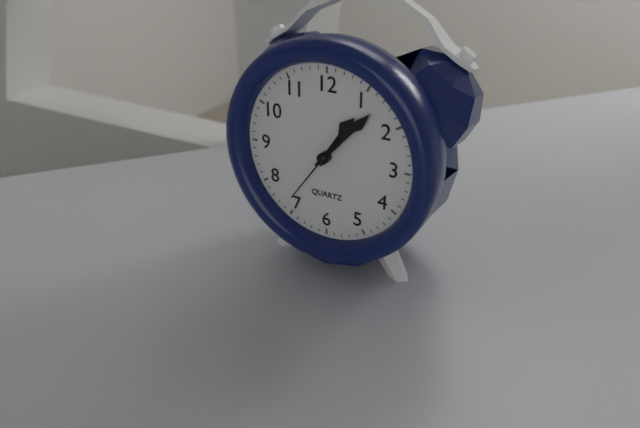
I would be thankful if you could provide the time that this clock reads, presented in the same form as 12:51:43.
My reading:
1:07:36
